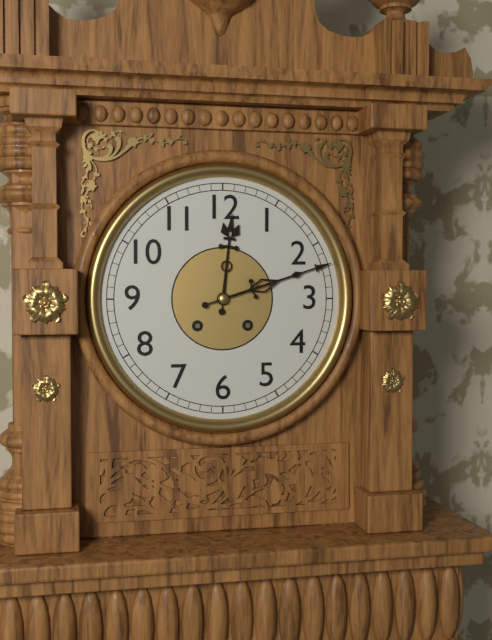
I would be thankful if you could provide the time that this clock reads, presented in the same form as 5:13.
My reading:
12:12
